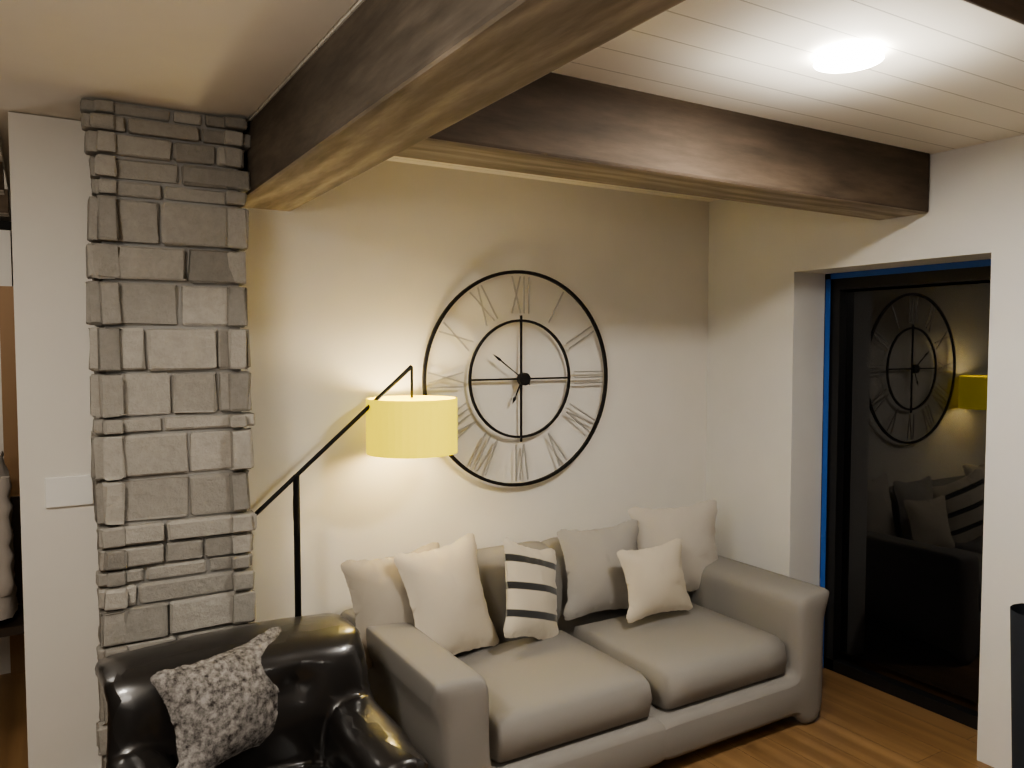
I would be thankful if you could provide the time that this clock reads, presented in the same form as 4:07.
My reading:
6:51
